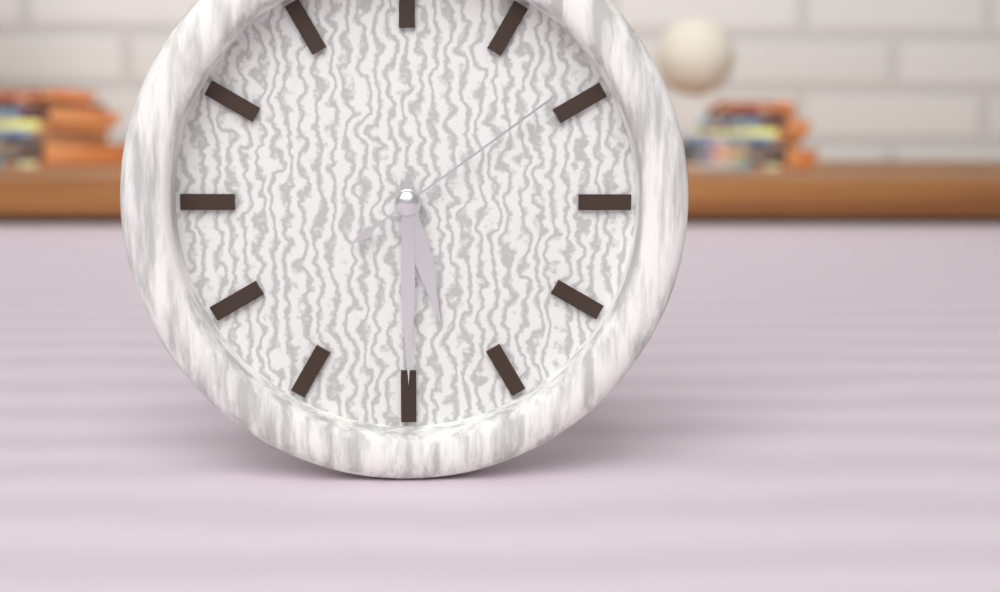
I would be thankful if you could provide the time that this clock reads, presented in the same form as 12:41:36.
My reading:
5:30:09
